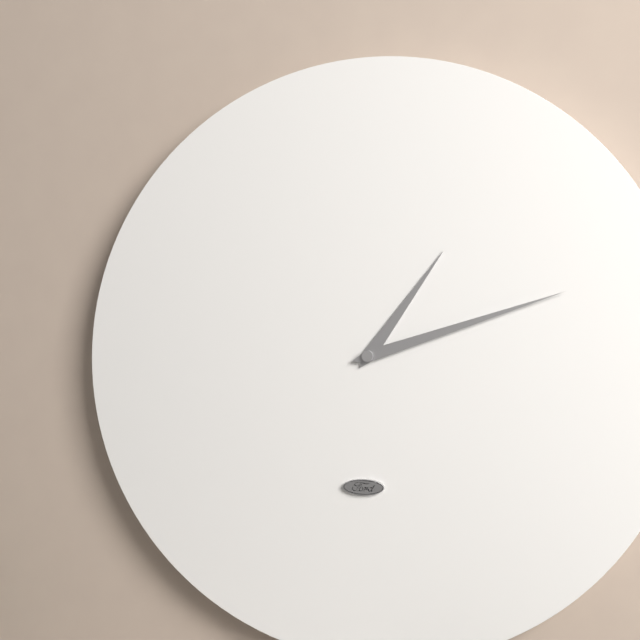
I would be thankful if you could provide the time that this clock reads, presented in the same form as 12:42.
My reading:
1:12
